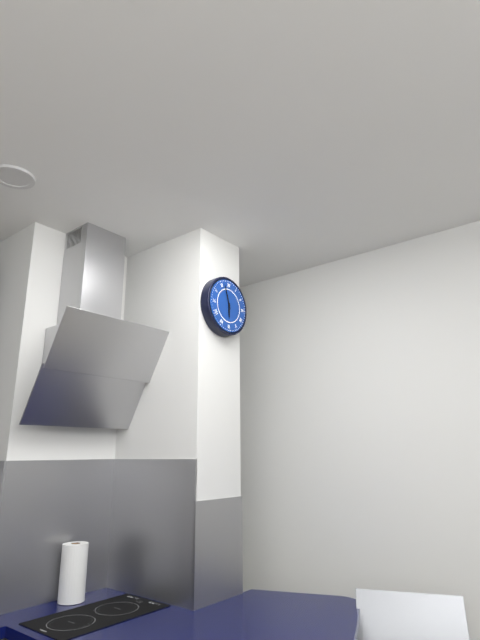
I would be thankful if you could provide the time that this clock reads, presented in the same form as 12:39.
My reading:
5:57
